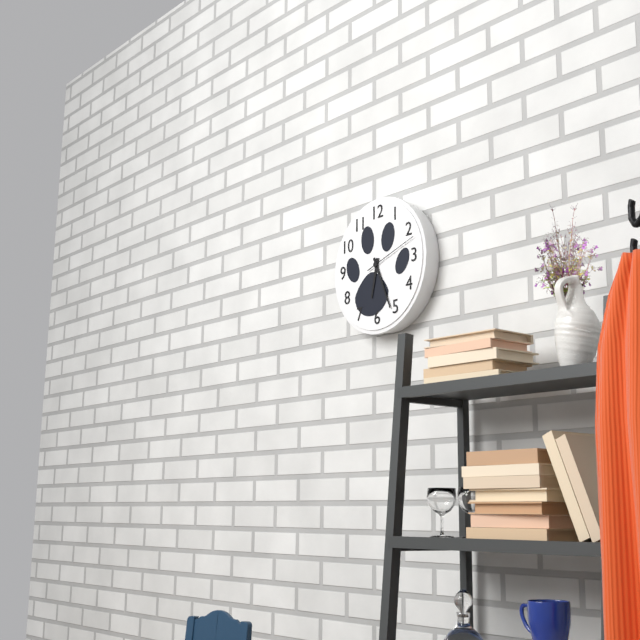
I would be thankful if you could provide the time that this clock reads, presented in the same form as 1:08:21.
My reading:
6:26:12
